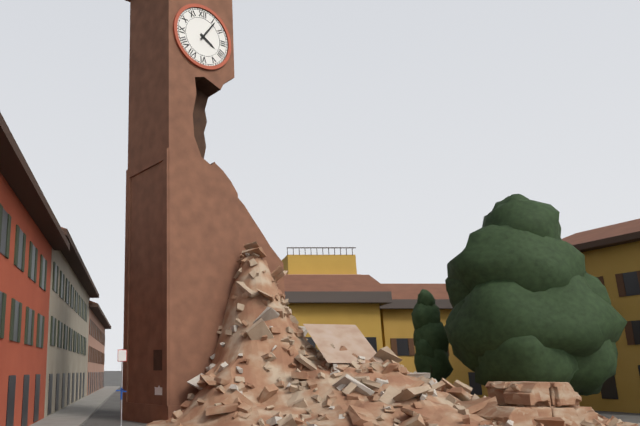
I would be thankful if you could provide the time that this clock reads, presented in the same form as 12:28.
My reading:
4:06
